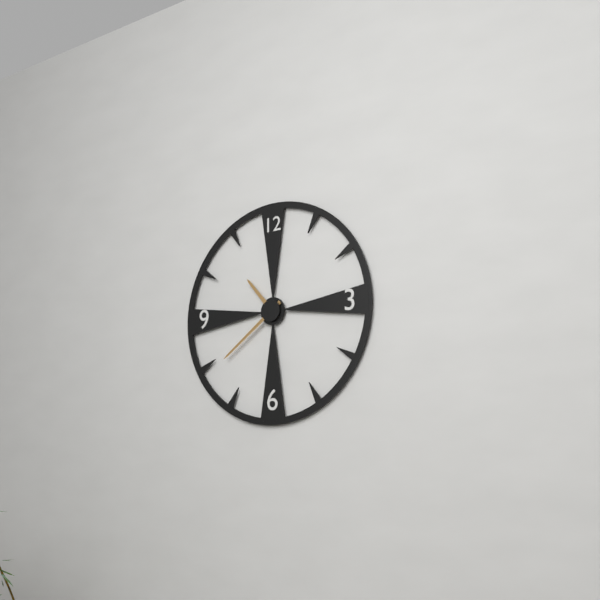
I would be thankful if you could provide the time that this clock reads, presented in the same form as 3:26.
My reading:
10:39
